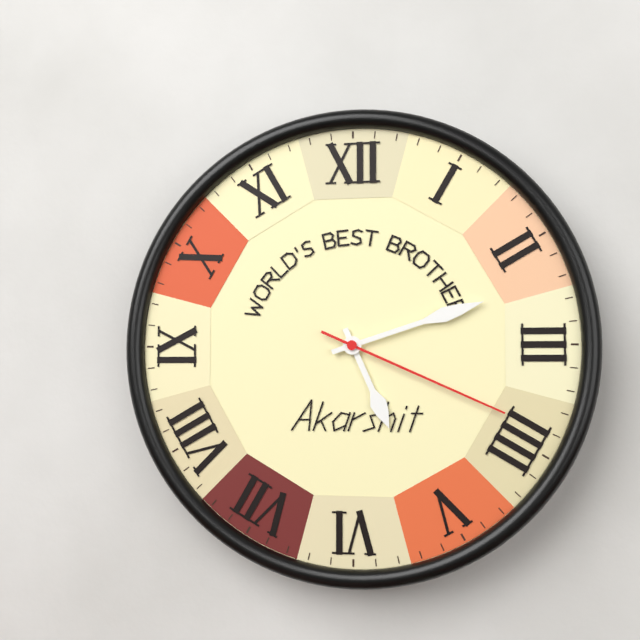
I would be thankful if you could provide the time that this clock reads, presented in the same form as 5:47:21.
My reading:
5:12:19
